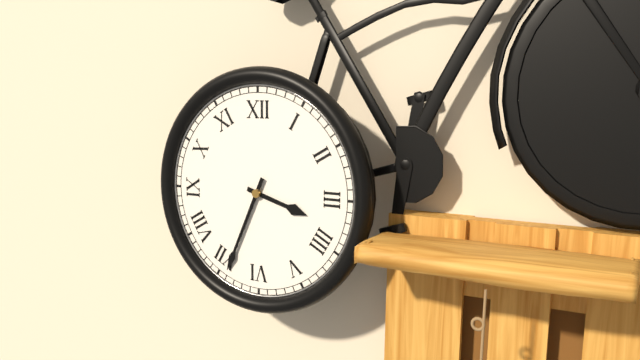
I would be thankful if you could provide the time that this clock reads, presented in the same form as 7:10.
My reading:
3:34
